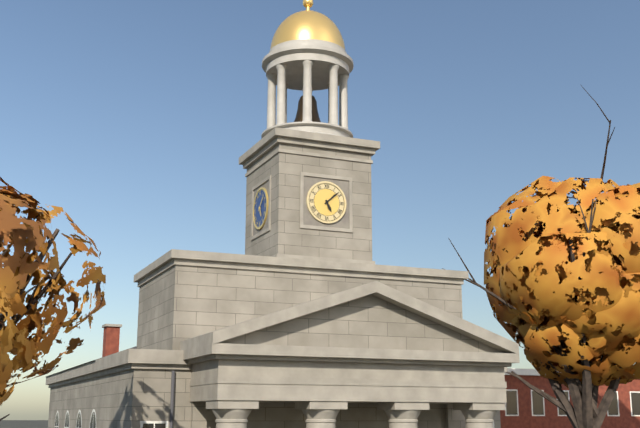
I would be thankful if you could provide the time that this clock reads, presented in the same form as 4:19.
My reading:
5:08
